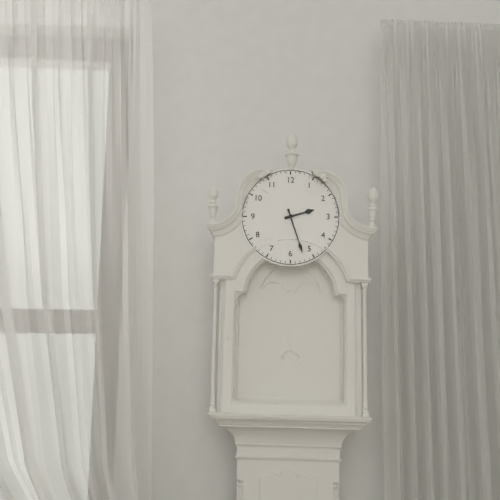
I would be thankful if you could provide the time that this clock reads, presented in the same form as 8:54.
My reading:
2:27
